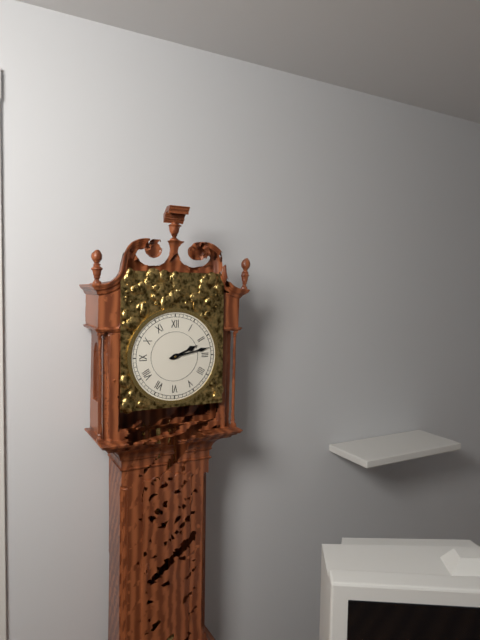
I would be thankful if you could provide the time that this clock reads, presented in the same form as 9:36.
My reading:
2:13
